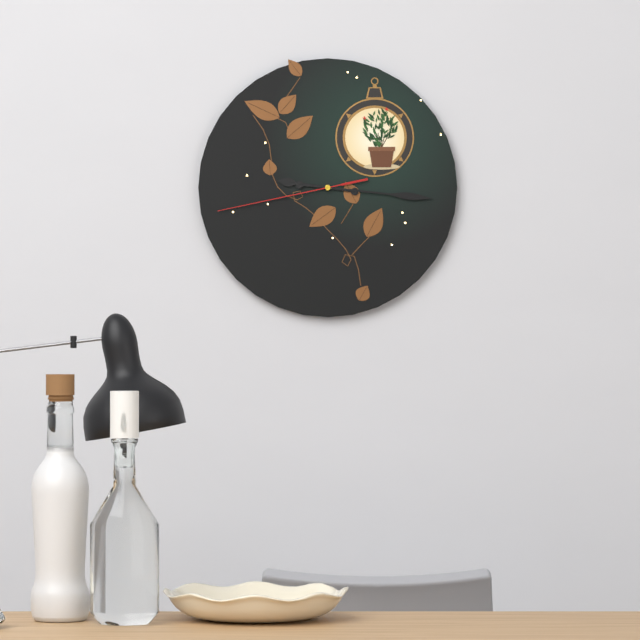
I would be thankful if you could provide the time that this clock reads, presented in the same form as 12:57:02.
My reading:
9:16:43
